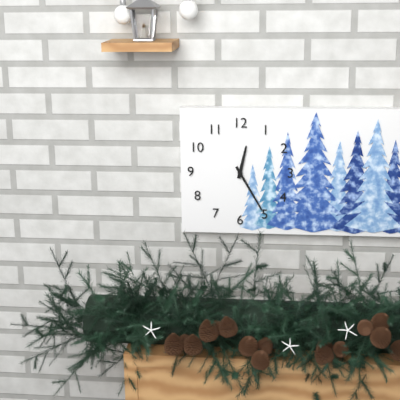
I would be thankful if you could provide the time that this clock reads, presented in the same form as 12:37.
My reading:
12:25
